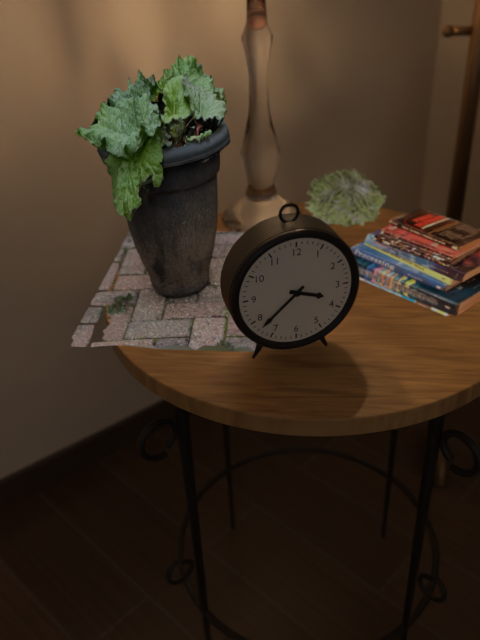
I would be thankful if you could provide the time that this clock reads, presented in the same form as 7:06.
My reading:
3:38
